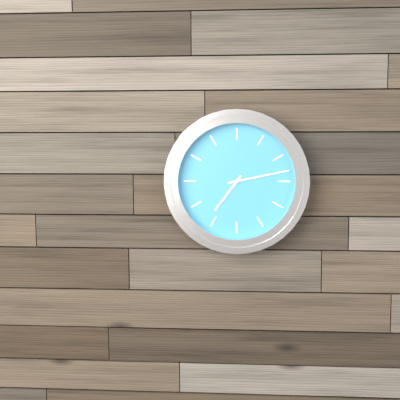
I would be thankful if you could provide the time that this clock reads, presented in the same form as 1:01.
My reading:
7:13
